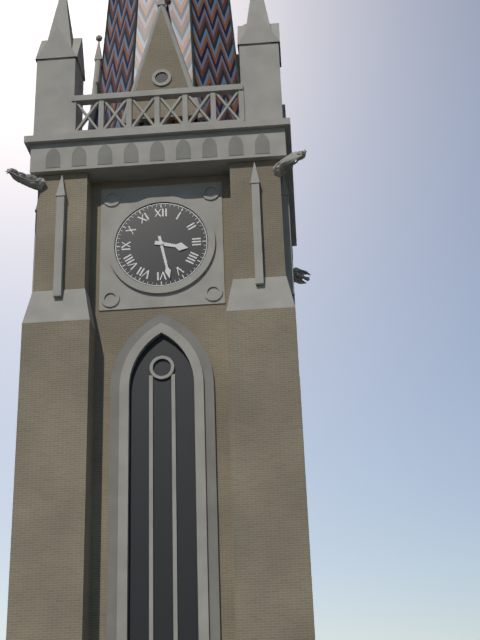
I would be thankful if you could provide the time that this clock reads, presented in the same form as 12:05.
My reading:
3:28
